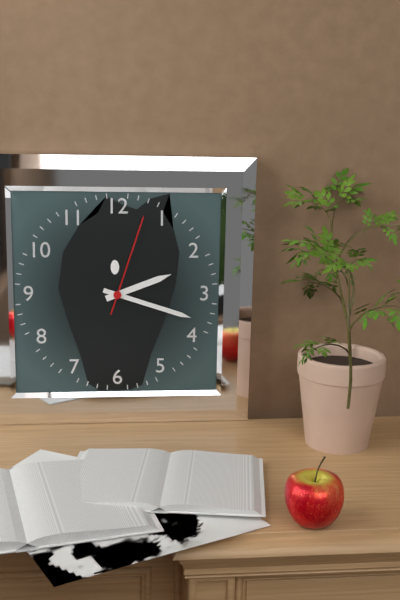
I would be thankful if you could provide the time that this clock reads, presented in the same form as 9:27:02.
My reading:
2:18:03
